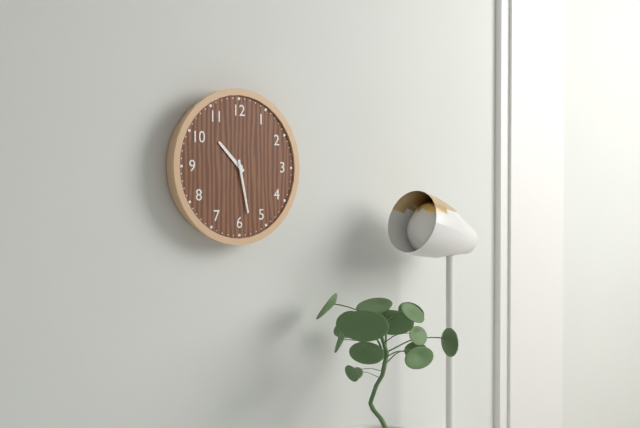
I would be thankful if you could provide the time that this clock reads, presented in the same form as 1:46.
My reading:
10:28
